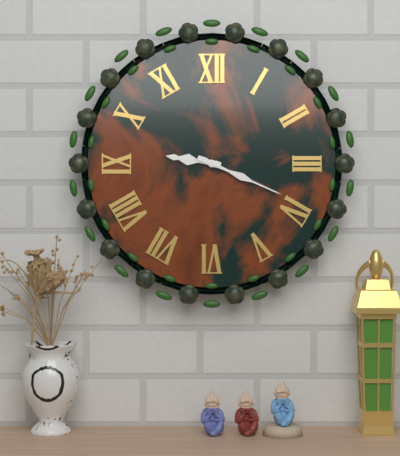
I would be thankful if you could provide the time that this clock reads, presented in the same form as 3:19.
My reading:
9:19
